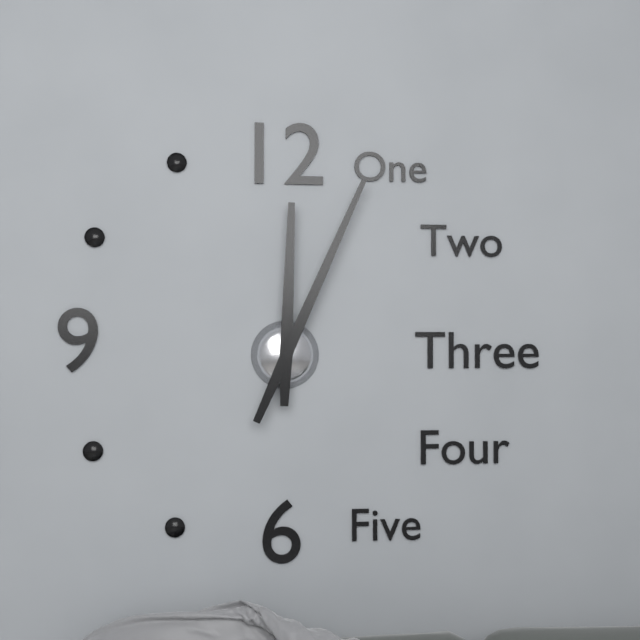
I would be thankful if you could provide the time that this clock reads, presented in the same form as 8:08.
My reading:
12:04
